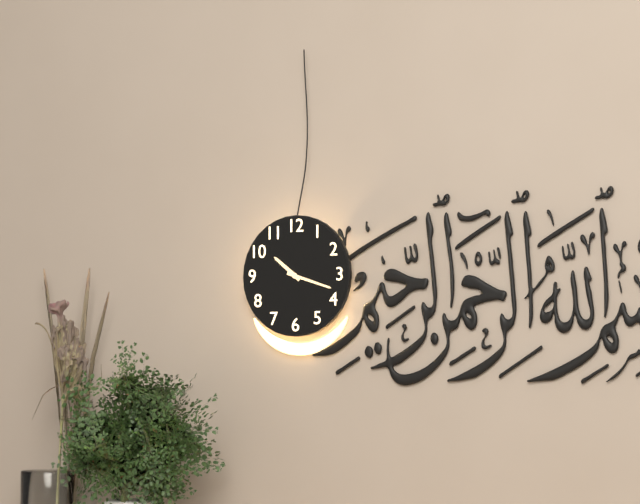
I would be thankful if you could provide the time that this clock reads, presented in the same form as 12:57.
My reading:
10:18
